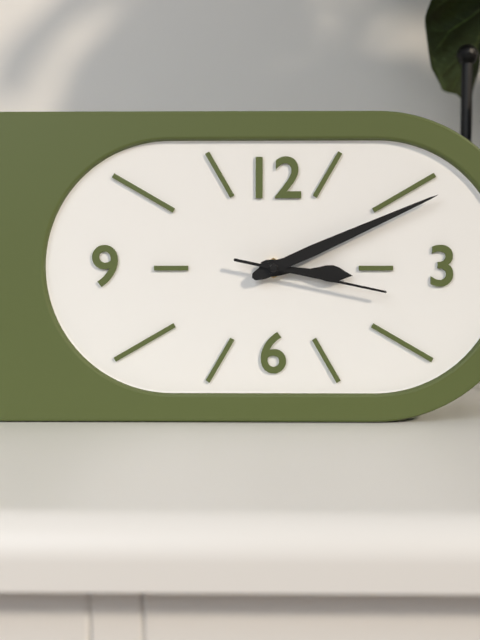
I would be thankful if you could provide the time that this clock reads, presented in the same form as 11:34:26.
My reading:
3:11:17
